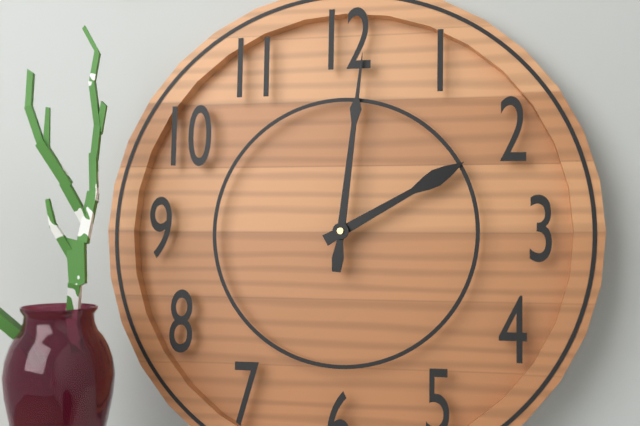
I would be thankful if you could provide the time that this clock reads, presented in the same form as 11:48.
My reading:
2:01
